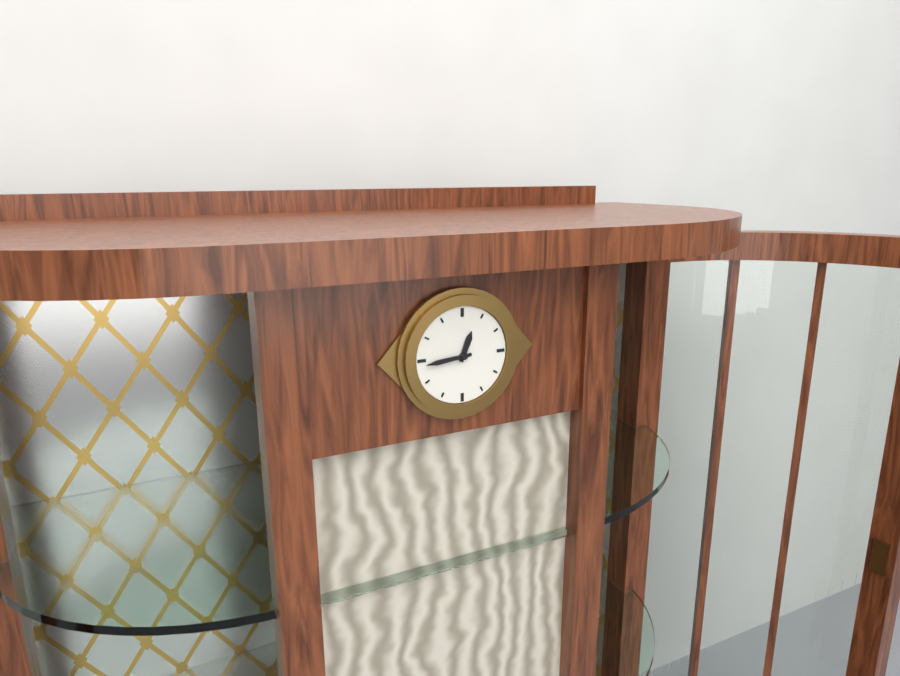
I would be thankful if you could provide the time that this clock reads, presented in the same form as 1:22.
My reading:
12:44
